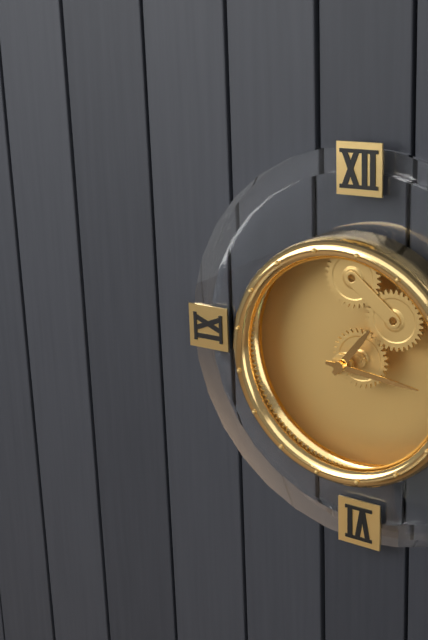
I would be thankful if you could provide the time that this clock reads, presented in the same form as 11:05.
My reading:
1:16
